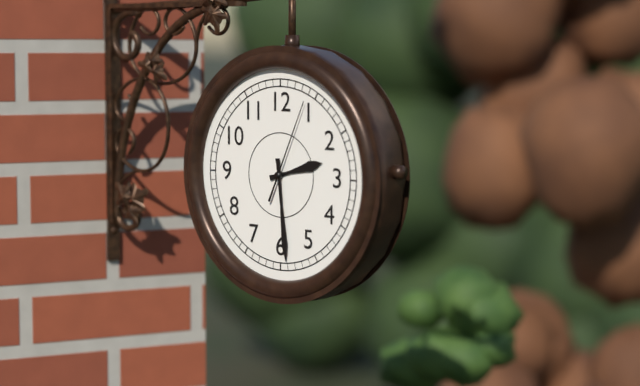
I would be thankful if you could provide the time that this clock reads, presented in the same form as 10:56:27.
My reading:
2:29:04
